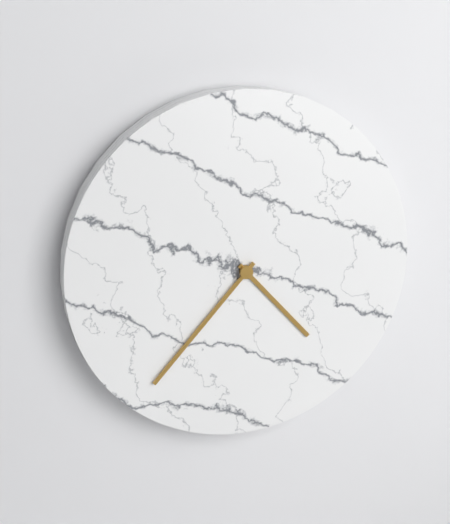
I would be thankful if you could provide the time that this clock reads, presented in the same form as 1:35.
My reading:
4:37
